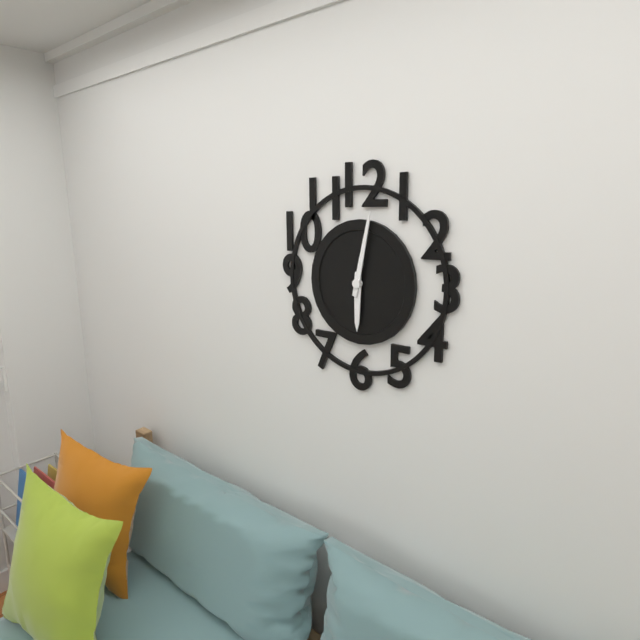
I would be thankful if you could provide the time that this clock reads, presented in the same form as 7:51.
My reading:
6:02
